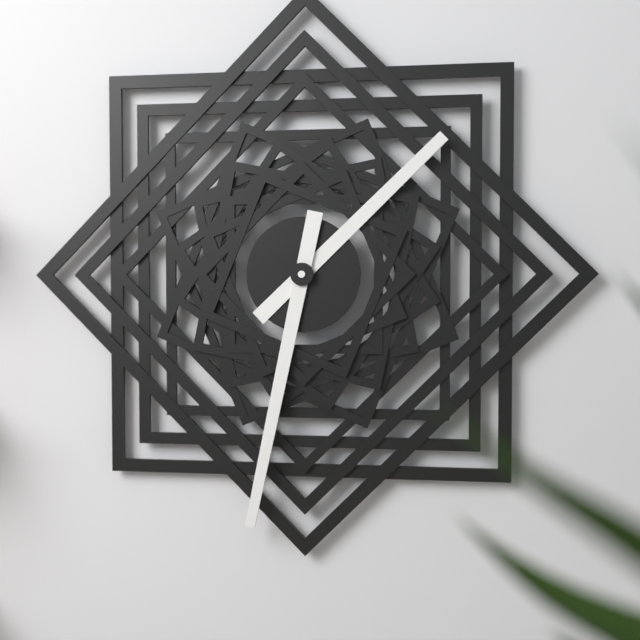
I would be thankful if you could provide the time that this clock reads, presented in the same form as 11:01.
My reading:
1:32
